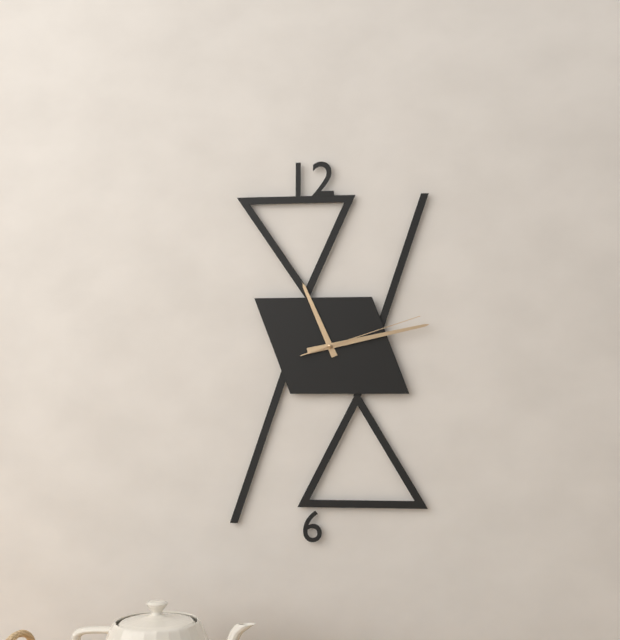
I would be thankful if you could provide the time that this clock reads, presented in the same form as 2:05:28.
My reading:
11:13:12
